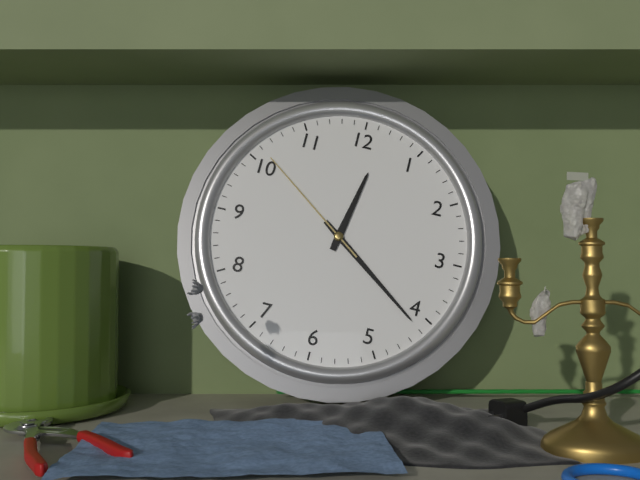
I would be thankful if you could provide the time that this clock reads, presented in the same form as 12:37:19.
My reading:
12:21:51
